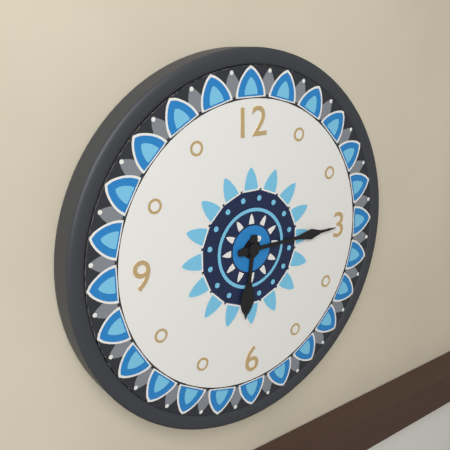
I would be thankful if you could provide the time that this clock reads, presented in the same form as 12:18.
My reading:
6:15
